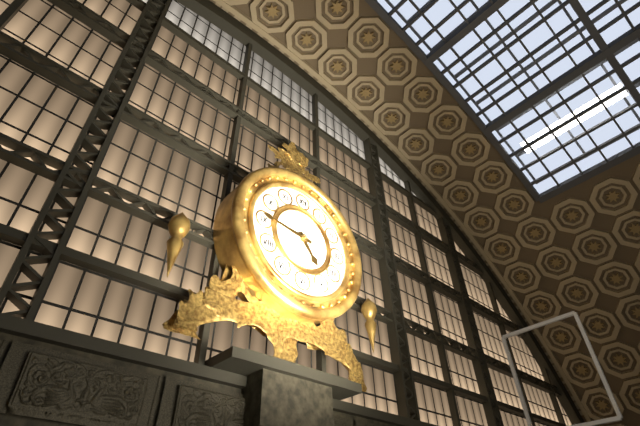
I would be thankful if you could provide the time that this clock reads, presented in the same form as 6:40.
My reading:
4:46
